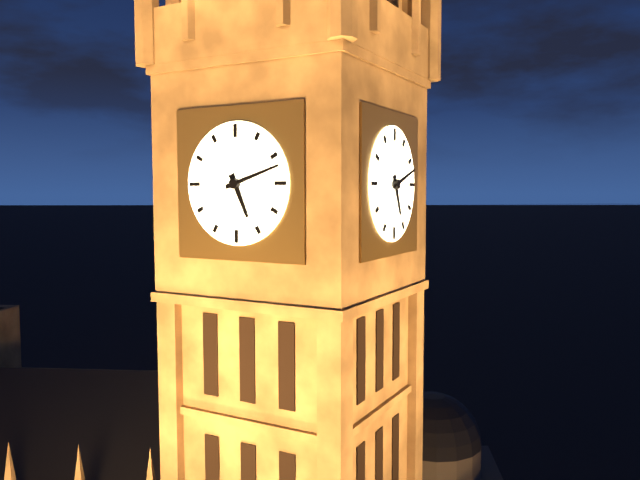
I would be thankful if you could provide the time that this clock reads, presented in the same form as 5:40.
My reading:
5:12
